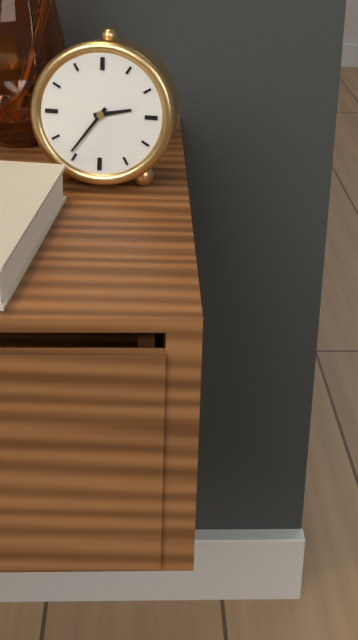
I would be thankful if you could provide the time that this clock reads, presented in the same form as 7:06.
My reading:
2:36
